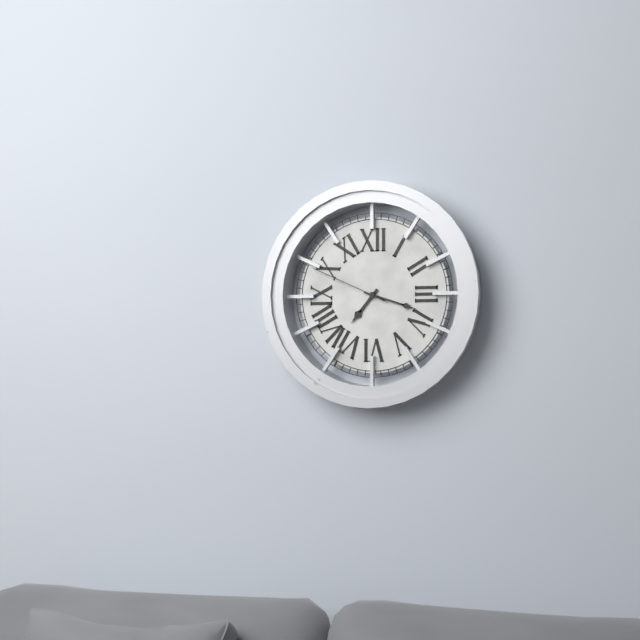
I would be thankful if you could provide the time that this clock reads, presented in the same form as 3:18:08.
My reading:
7:18:49
